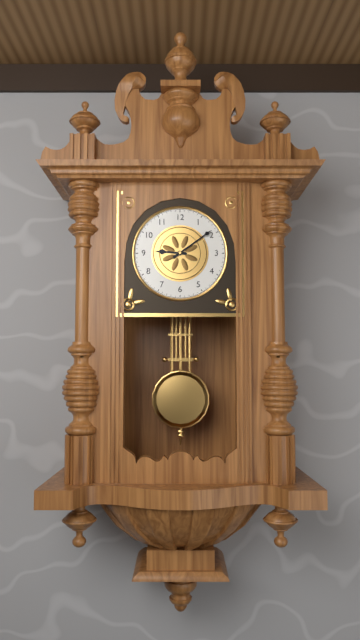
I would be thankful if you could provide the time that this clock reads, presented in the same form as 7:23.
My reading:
9:09
